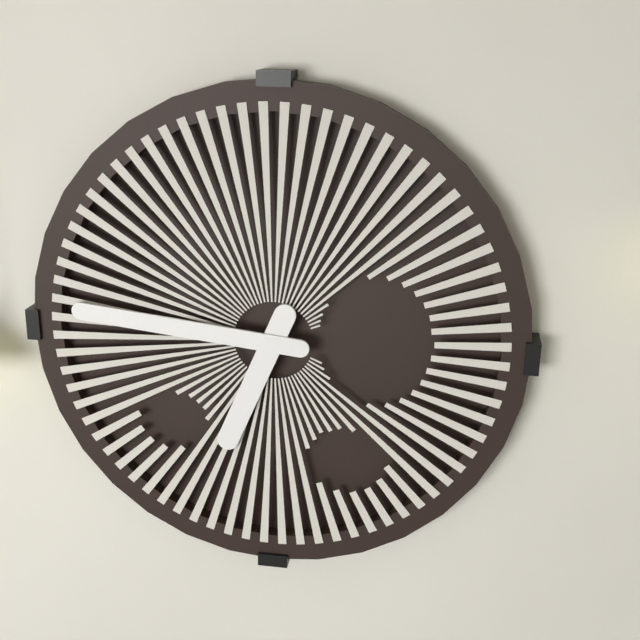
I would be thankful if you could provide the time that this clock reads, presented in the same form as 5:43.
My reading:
6:46
